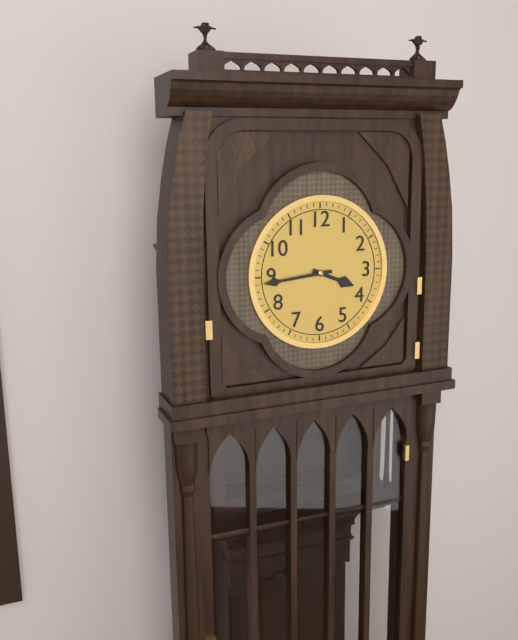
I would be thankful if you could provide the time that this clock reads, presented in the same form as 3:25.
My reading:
3:44
